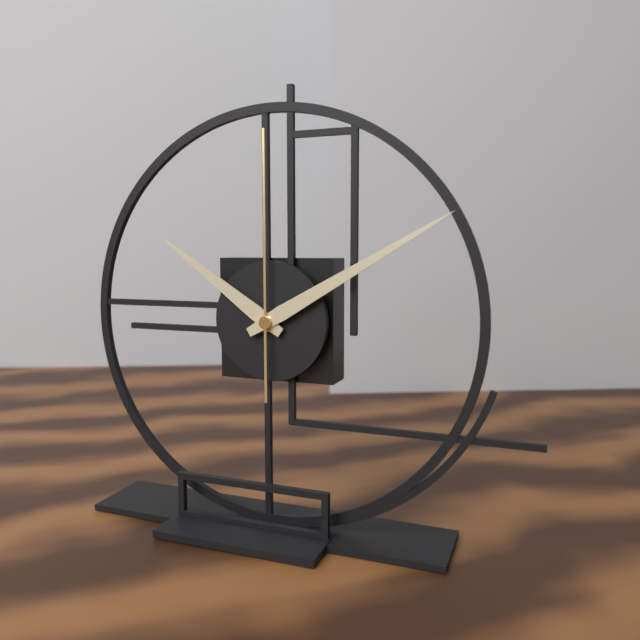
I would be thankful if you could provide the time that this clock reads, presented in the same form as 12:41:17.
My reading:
10:10:00
